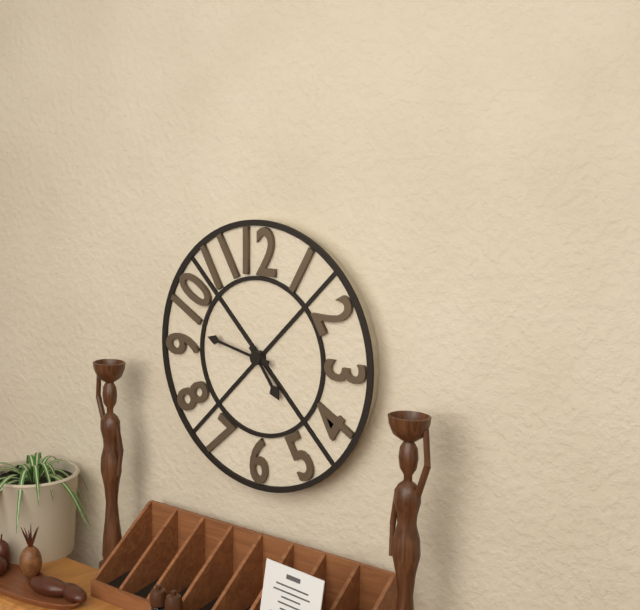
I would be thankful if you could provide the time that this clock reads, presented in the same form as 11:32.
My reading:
4:47
